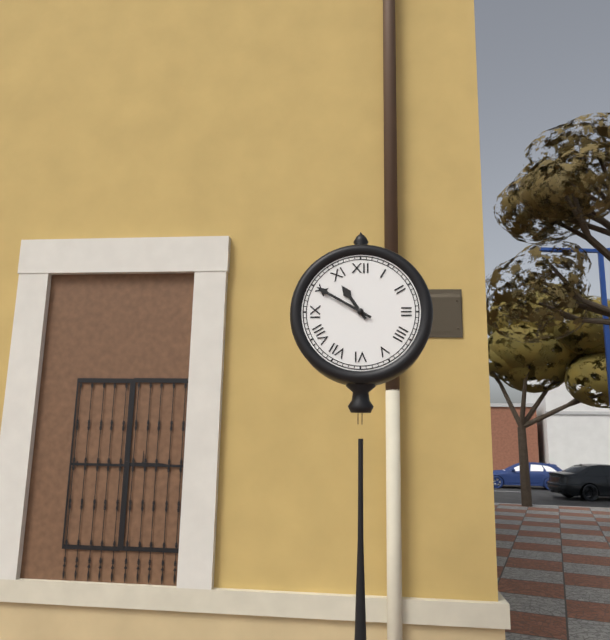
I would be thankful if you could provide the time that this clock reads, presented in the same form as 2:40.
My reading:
10:50
